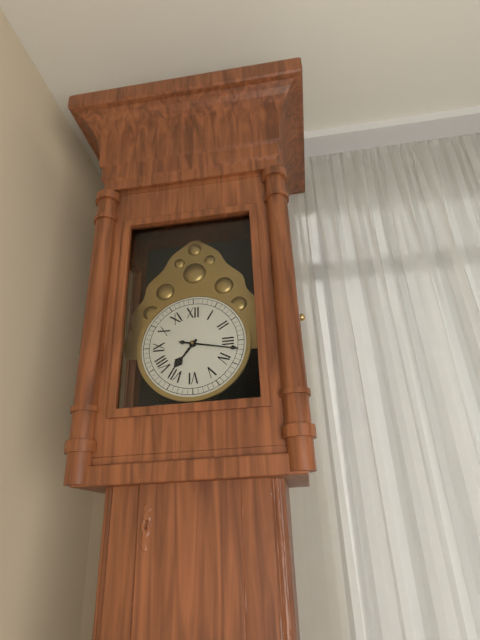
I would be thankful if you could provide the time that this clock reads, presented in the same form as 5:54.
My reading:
7:17
